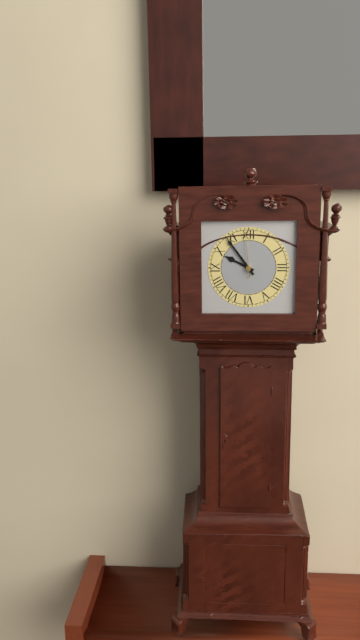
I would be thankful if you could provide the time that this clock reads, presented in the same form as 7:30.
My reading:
9:54
